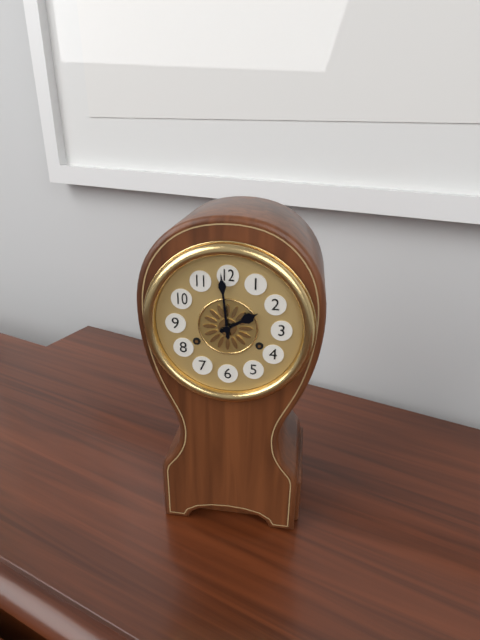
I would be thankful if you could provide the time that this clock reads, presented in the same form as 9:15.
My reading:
1:59
